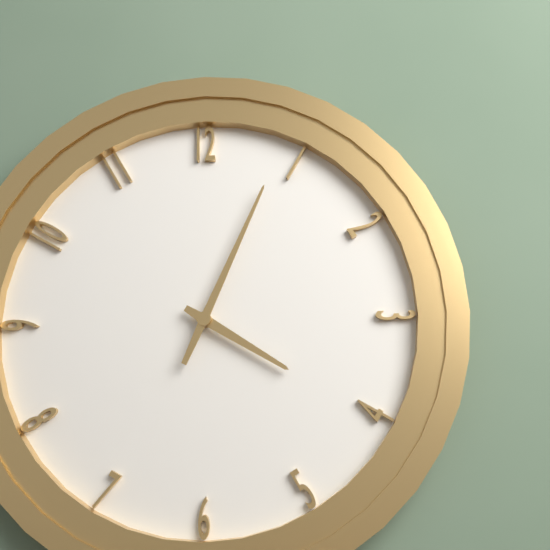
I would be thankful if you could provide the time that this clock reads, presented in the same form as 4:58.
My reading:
4:04
